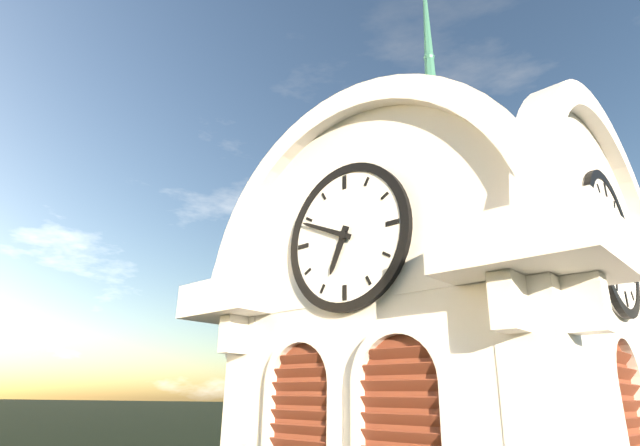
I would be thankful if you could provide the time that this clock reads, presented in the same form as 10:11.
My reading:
6:49
